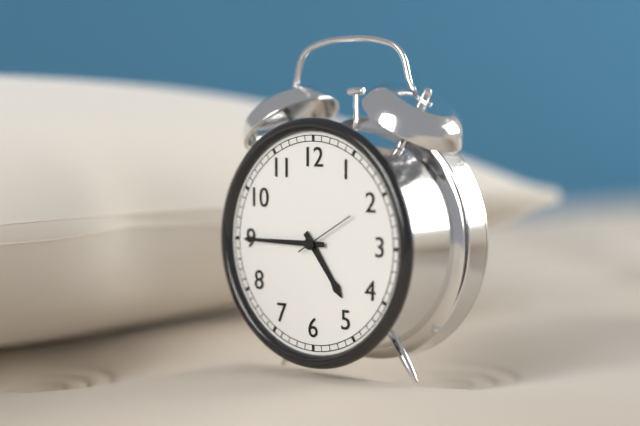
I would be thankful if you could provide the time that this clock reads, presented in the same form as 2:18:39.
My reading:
4:45:10
